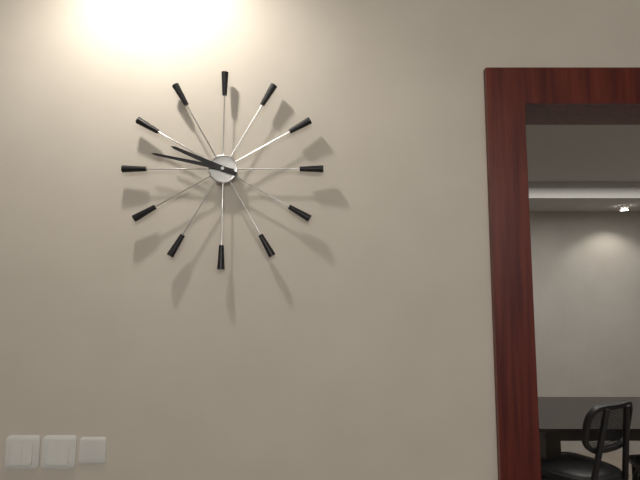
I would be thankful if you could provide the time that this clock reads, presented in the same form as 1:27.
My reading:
9:47
